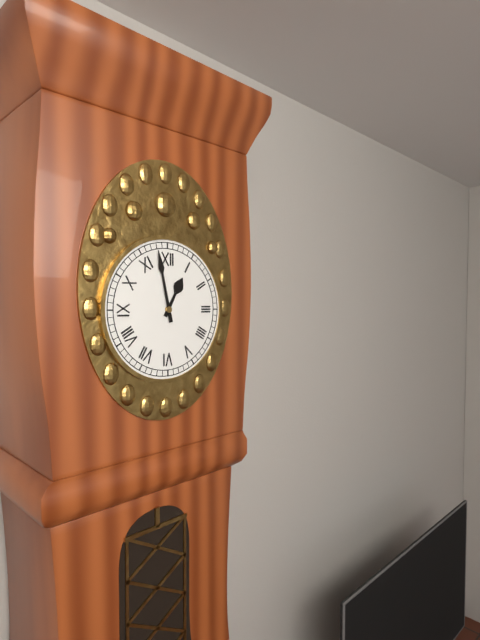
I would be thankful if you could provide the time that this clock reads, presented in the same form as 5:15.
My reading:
12:58
